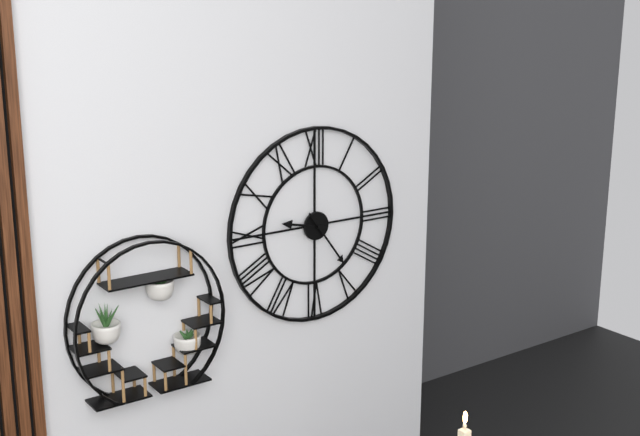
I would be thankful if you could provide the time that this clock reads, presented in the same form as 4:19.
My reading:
9:24
